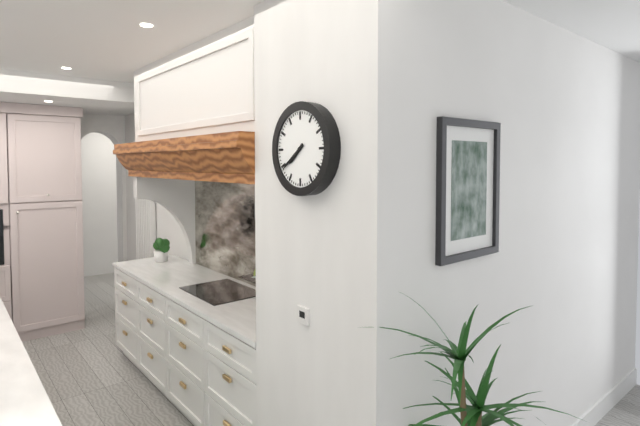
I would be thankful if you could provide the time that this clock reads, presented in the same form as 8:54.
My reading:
7:39
